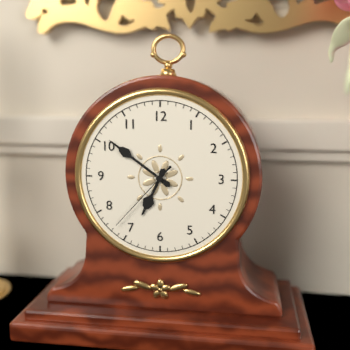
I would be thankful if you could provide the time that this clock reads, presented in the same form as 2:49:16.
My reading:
6:51:37
